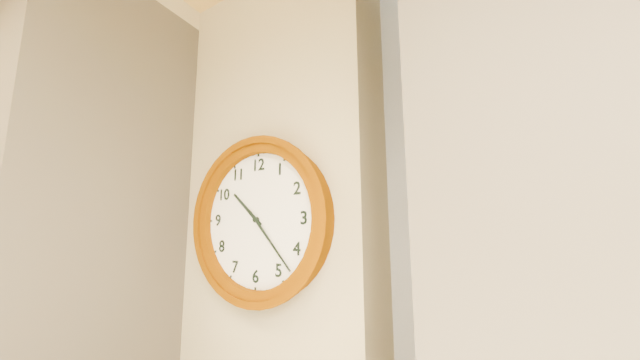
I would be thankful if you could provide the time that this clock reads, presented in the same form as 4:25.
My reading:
10:23
